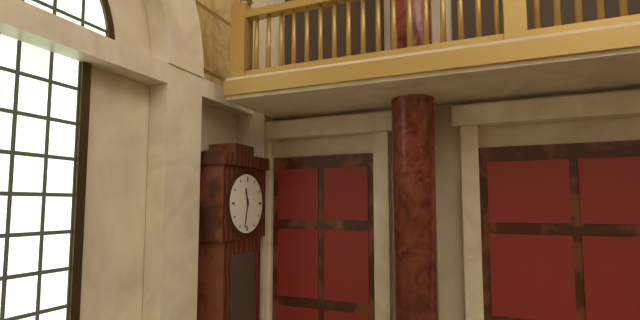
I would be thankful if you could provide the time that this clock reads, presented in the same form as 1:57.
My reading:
11:32
